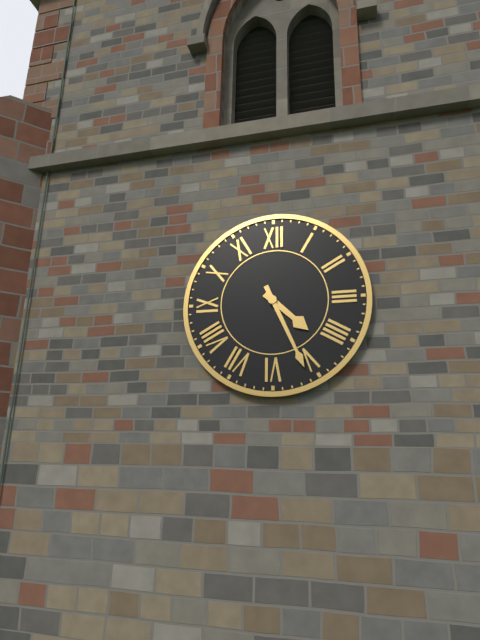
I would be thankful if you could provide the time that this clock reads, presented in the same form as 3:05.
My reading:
4:26
